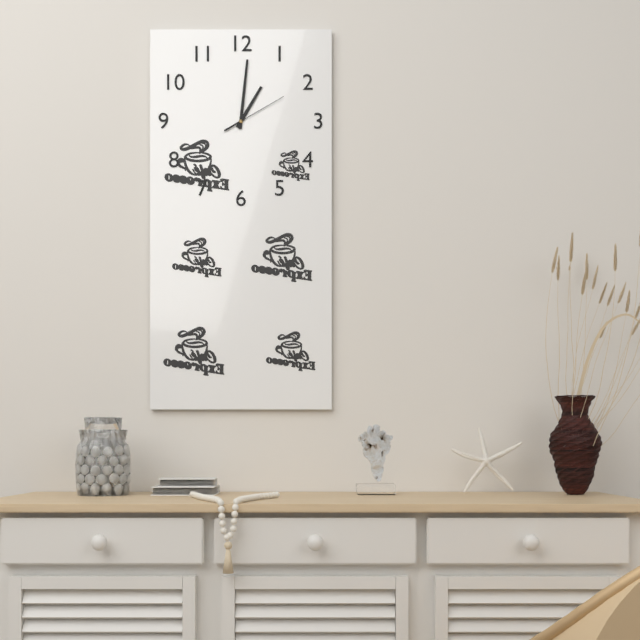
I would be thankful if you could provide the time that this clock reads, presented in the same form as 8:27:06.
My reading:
1:01:10
